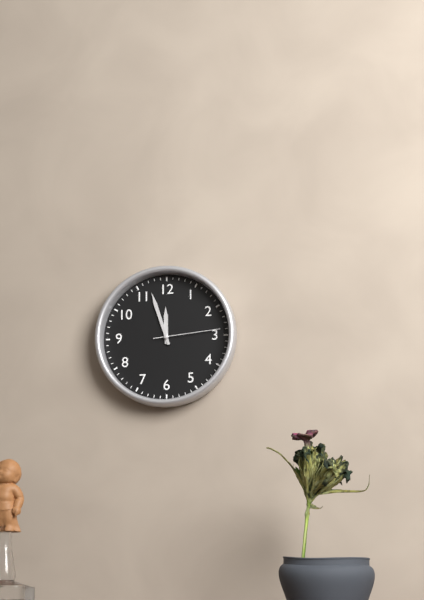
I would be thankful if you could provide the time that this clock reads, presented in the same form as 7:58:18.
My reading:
11:57:14
